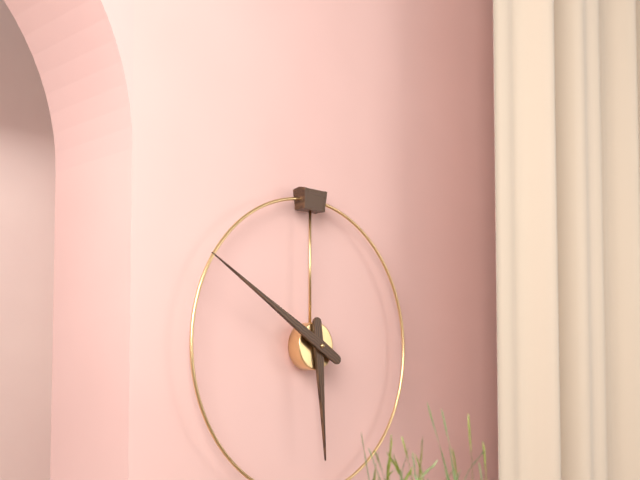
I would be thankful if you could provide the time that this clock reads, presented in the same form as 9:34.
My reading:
5:50
